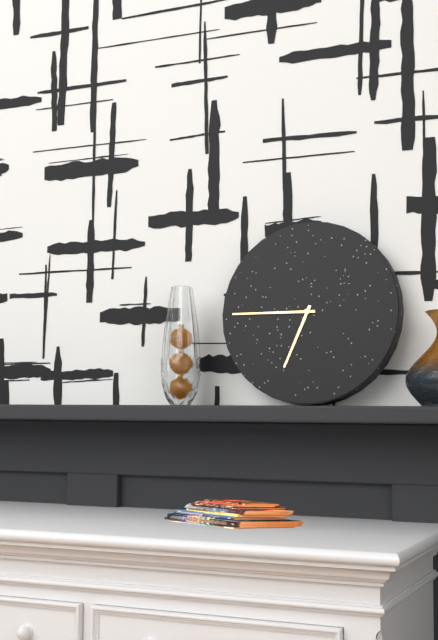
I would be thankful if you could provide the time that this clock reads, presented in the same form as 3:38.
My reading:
6:45
